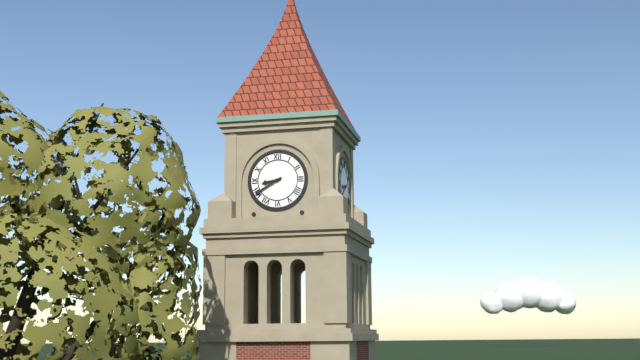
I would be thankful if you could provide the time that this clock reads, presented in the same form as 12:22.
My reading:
8:40
